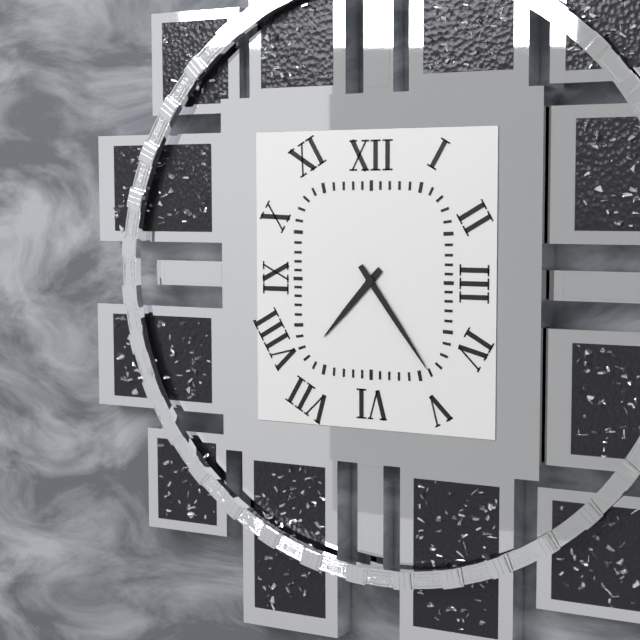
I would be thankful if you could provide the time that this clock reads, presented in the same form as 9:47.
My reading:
7:24
